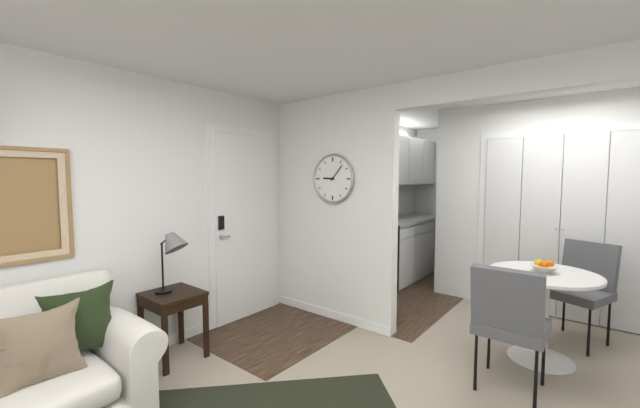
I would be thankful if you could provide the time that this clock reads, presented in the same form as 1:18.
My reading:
9:07
